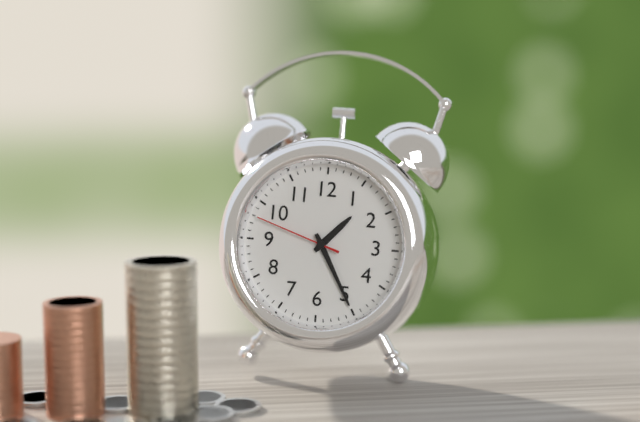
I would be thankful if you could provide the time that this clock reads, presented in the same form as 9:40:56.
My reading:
1:25:48
